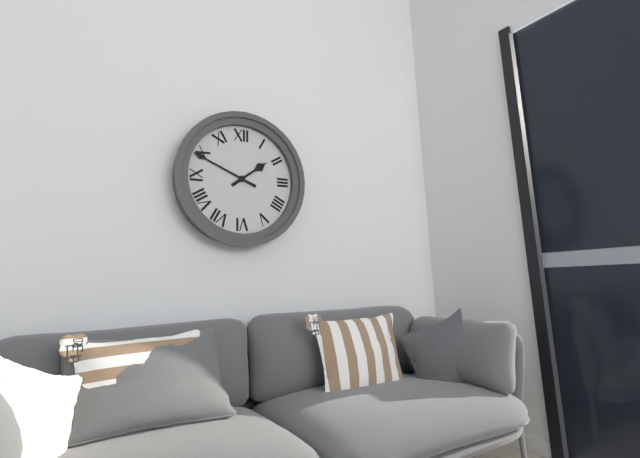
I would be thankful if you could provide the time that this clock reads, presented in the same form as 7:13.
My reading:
1:49
